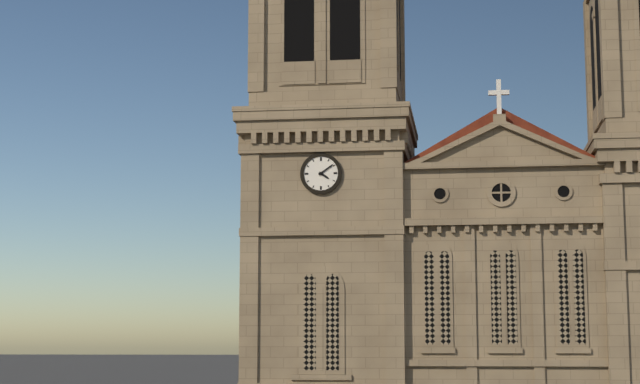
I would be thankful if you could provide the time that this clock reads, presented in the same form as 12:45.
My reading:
4:09
